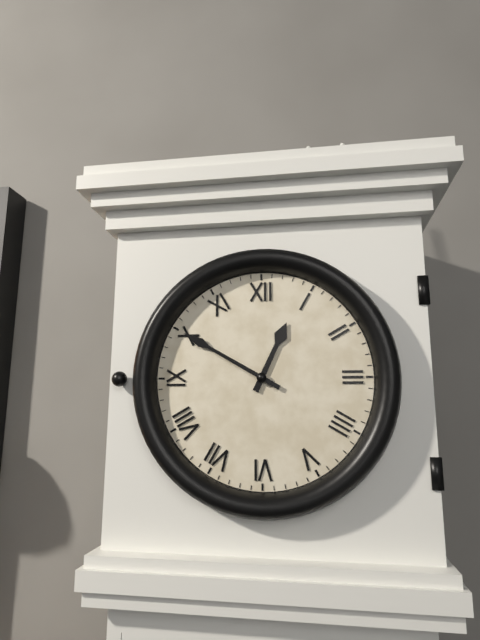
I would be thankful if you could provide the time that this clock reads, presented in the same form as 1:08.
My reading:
12:50
